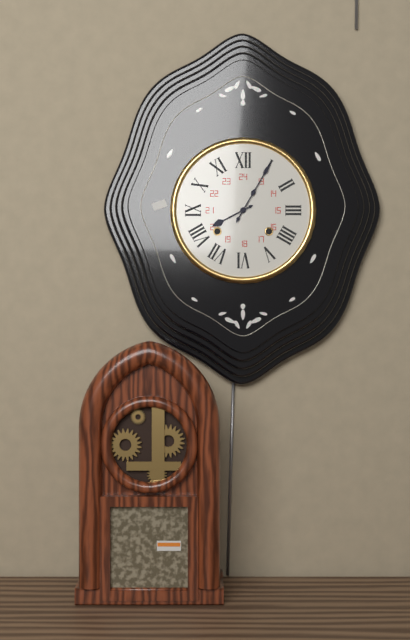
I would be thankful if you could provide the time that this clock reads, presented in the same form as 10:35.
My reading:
8:05
